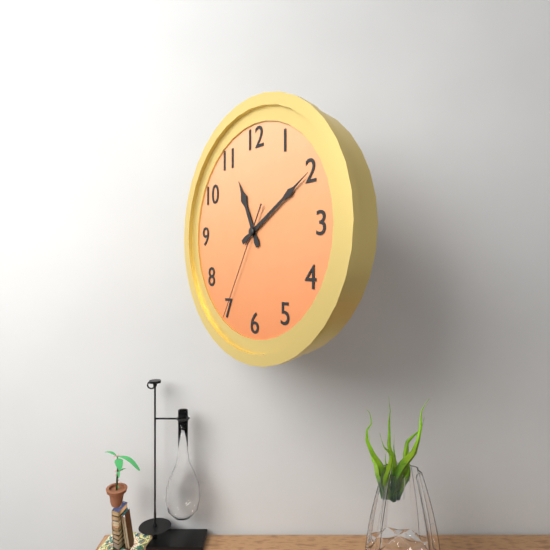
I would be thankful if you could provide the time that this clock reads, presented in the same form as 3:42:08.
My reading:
11:10:35
